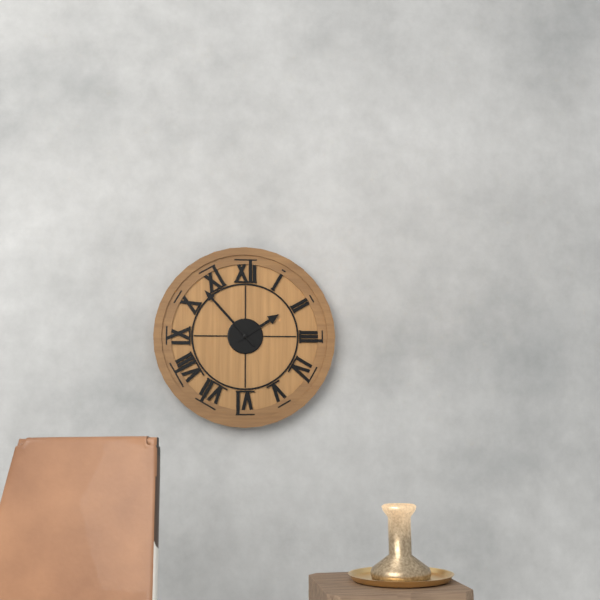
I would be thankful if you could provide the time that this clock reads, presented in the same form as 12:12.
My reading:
1:53
